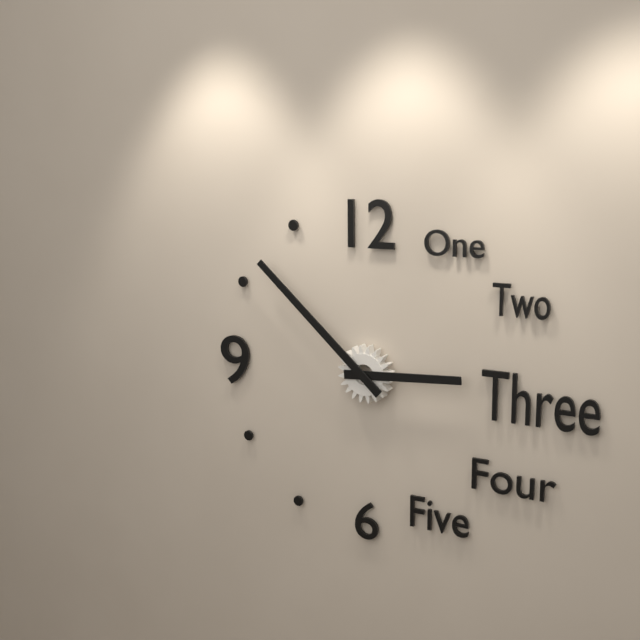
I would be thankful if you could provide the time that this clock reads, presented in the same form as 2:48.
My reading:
2:52
